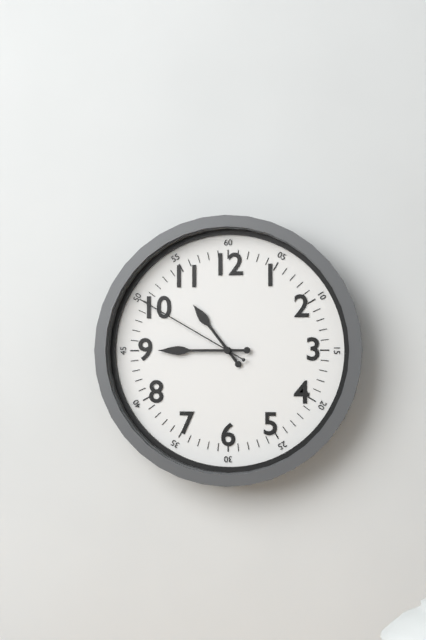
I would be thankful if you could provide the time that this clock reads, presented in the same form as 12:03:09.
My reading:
10:45:50
